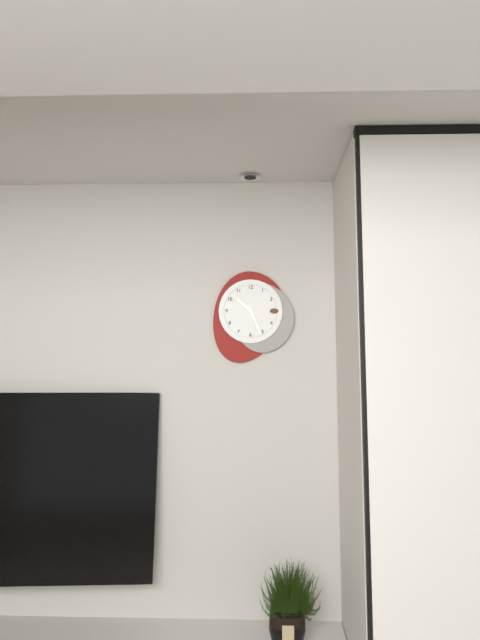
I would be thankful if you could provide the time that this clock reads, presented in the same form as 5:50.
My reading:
10:26
